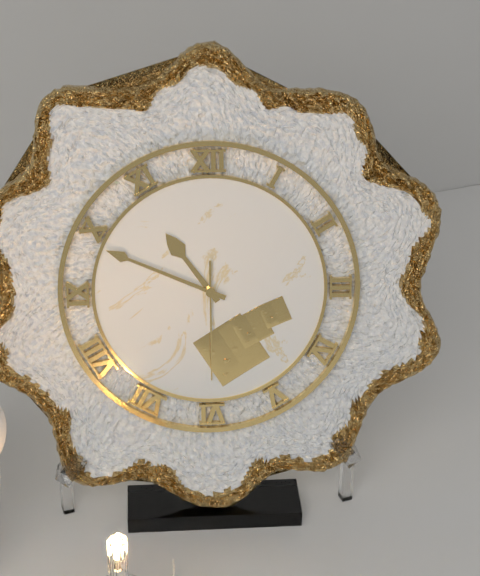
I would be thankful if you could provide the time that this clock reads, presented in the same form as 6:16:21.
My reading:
10:49:30
